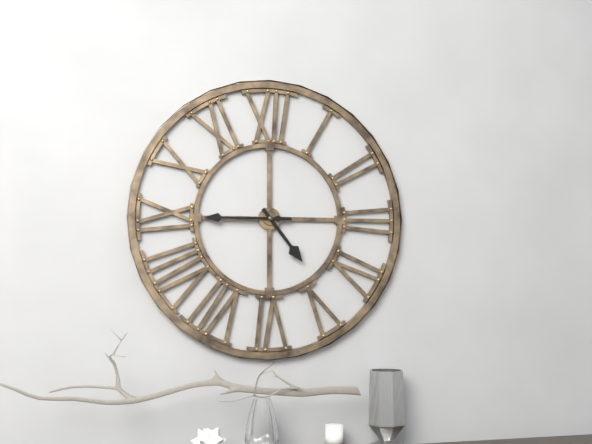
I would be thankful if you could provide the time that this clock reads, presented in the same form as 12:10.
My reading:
4:45
